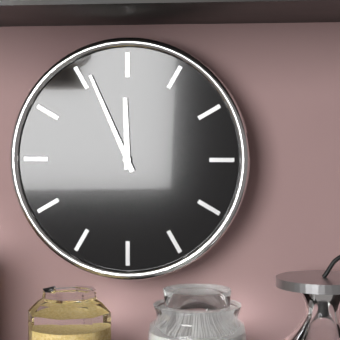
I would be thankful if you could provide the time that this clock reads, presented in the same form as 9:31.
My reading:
11:56
